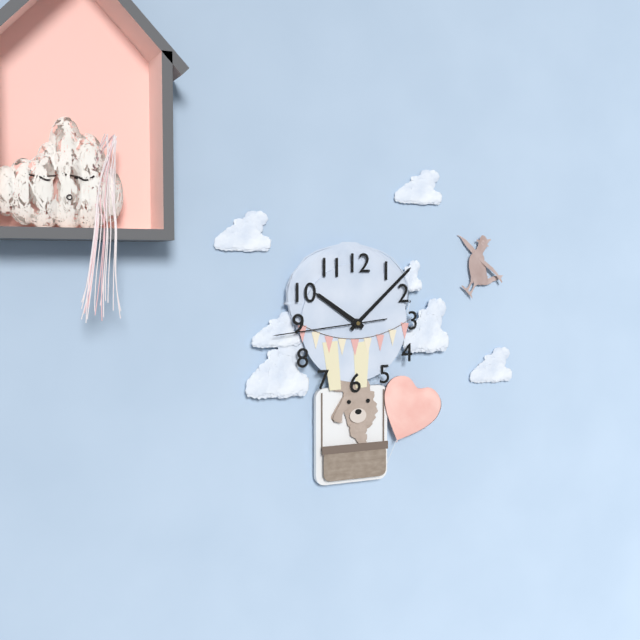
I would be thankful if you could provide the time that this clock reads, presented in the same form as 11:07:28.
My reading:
10:08:44
